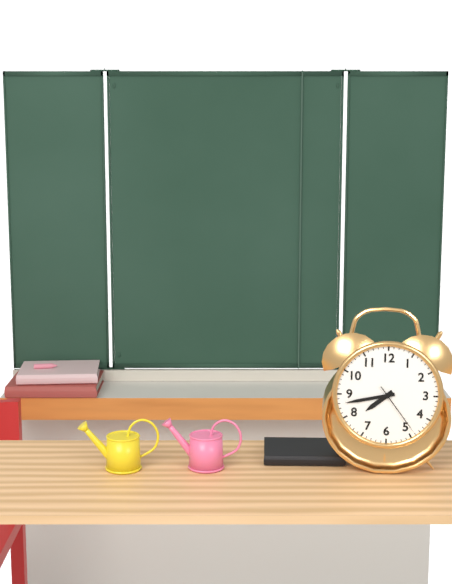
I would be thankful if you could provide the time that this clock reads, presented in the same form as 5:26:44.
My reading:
7:43:24
